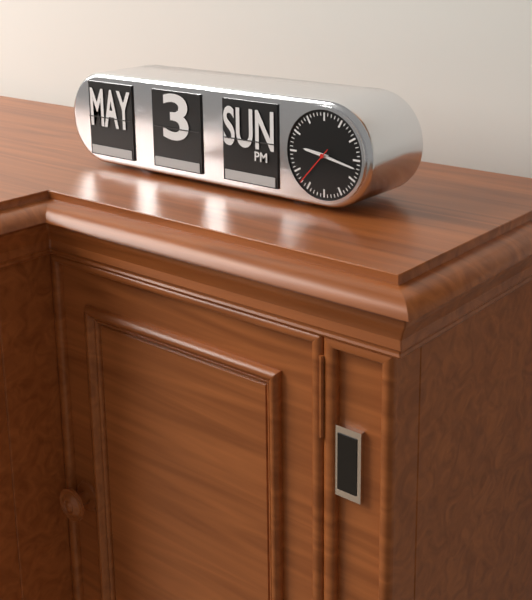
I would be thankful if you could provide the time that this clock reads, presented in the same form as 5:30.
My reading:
9:17
